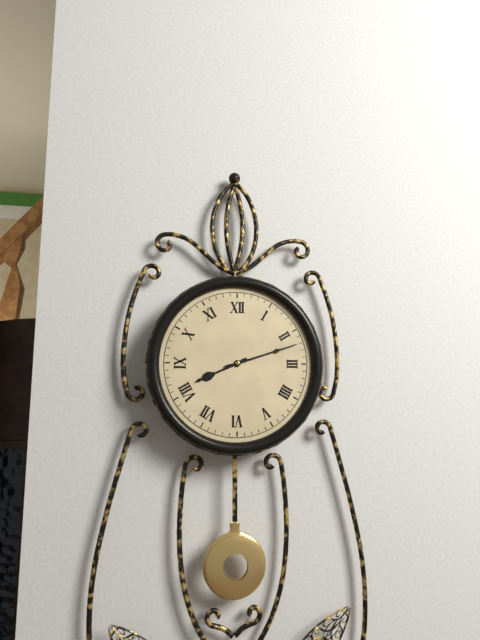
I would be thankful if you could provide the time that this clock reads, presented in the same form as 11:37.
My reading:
8:12
